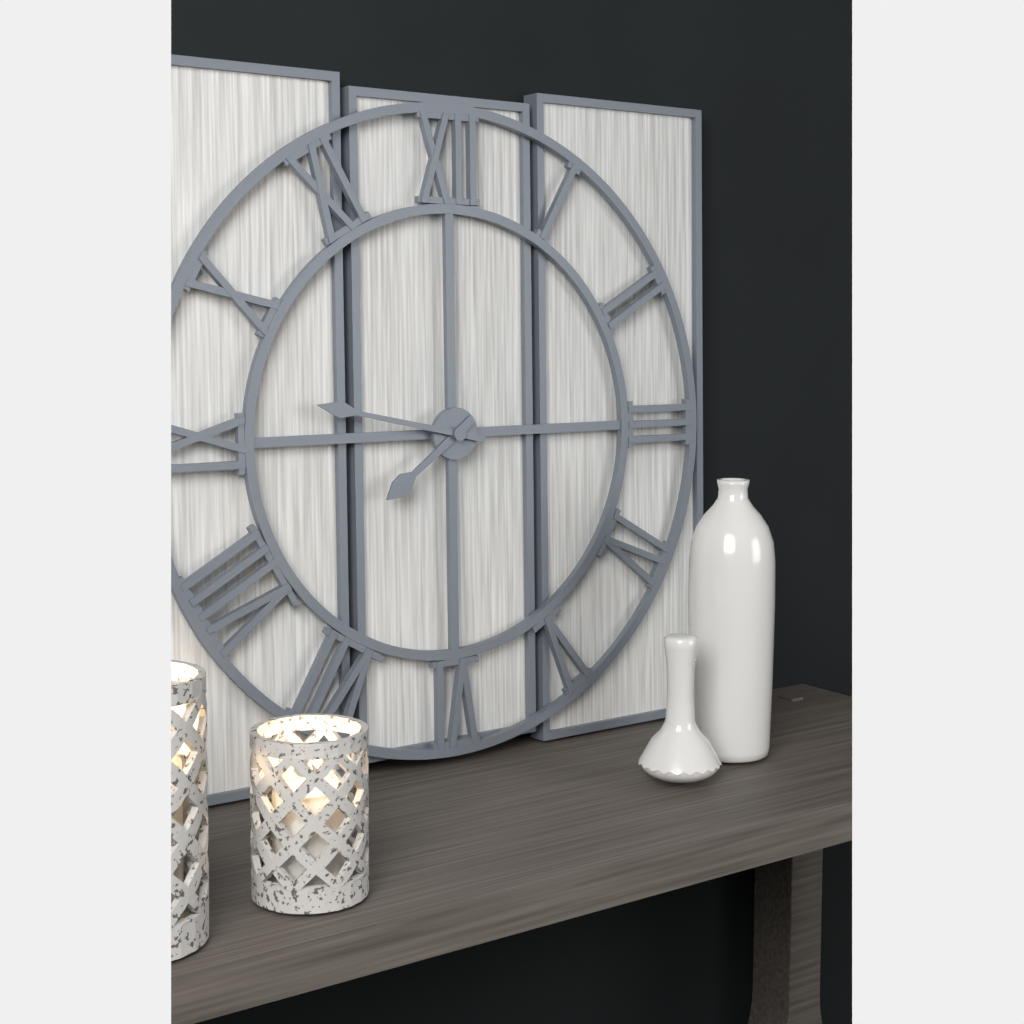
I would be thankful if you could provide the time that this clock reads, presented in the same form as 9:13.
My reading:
7:47
